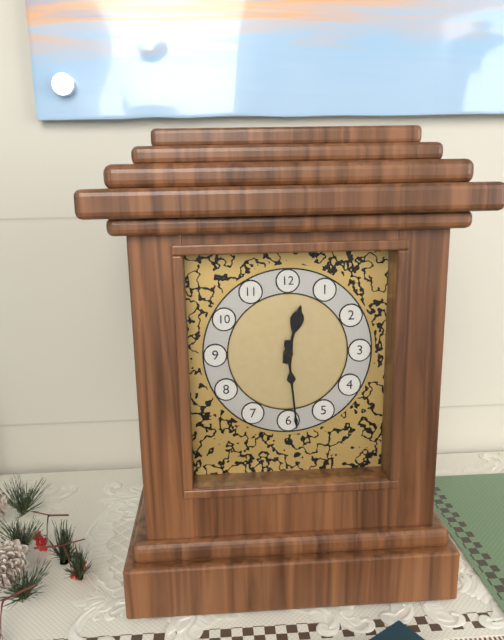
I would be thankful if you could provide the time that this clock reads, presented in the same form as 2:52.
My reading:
12:29
